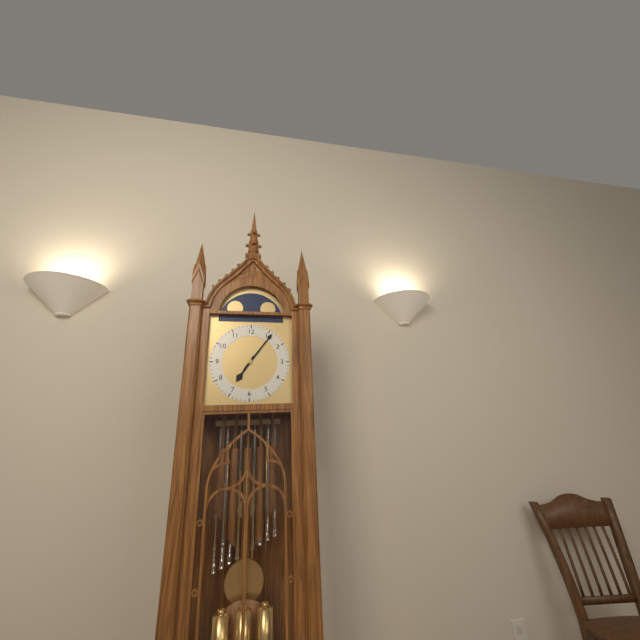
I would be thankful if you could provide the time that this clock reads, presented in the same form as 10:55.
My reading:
7:06
